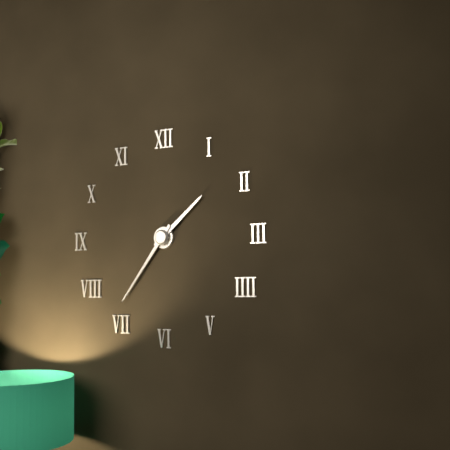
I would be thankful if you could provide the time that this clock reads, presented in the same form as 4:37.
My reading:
1:36
